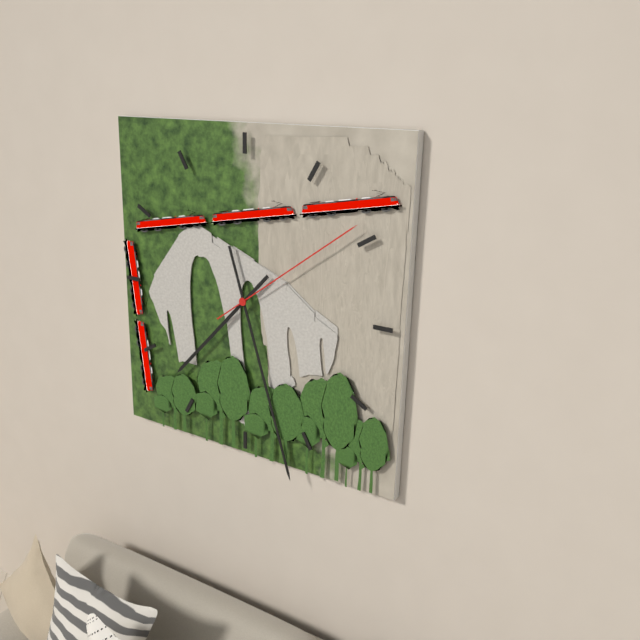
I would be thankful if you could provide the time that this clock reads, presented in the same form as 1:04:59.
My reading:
7:27:09
